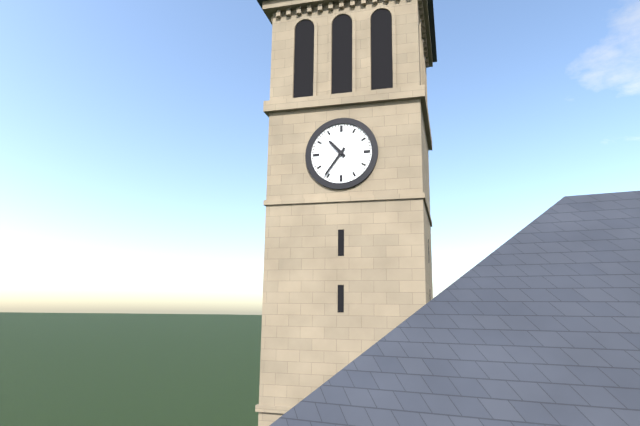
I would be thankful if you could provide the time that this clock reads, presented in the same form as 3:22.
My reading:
10:36
